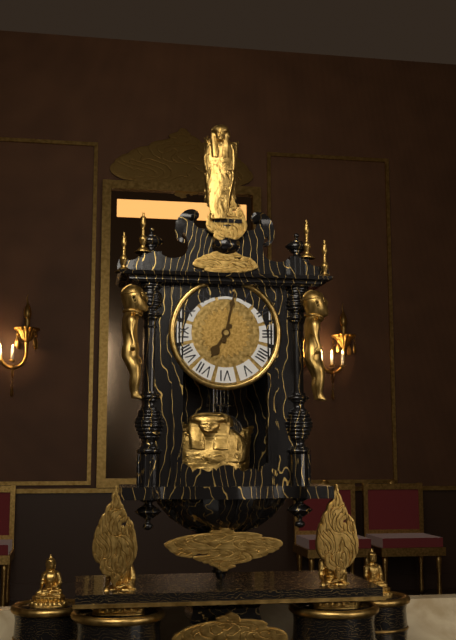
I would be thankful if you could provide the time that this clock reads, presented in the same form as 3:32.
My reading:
7:02
